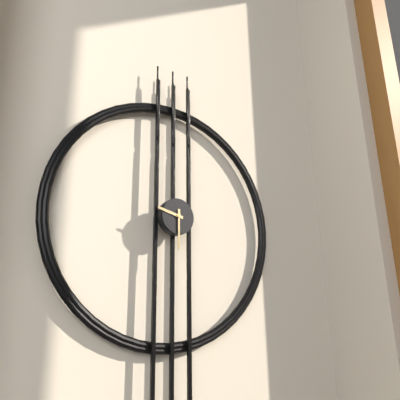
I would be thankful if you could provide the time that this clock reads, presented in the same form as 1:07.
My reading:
9:30
